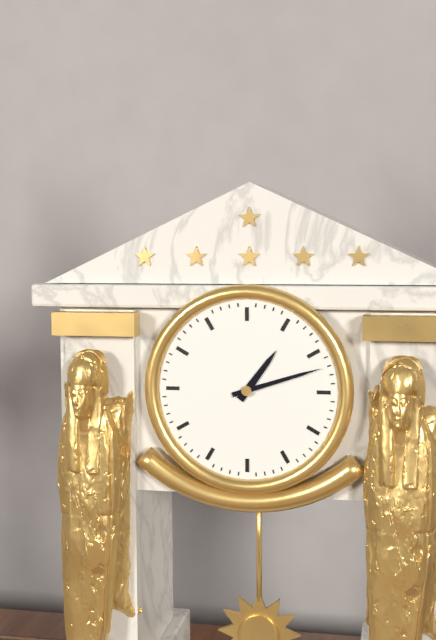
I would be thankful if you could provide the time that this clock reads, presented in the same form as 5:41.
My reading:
1:12
